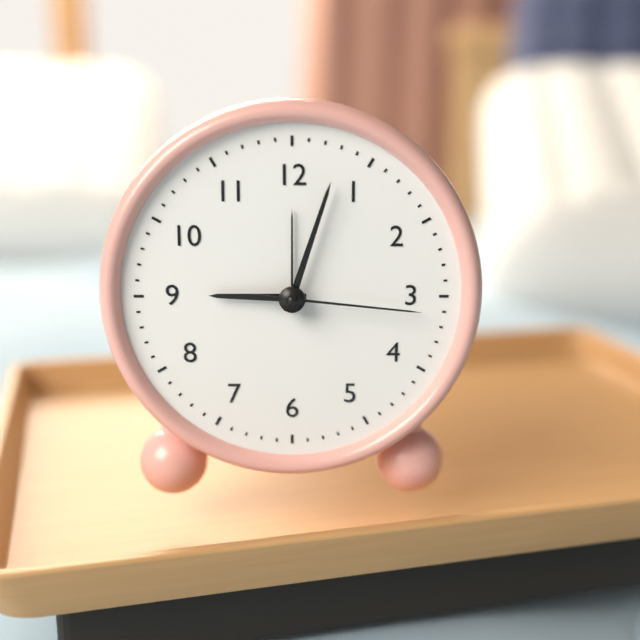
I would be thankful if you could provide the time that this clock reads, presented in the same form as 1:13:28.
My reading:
9:03:16
